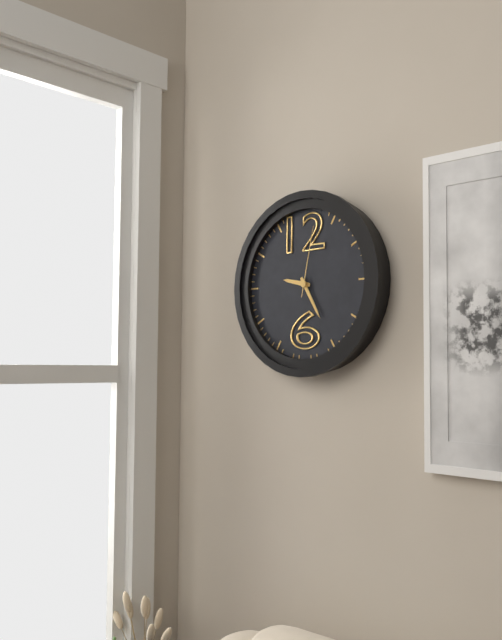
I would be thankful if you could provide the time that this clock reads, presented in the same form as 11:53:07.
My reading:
9:25:02
